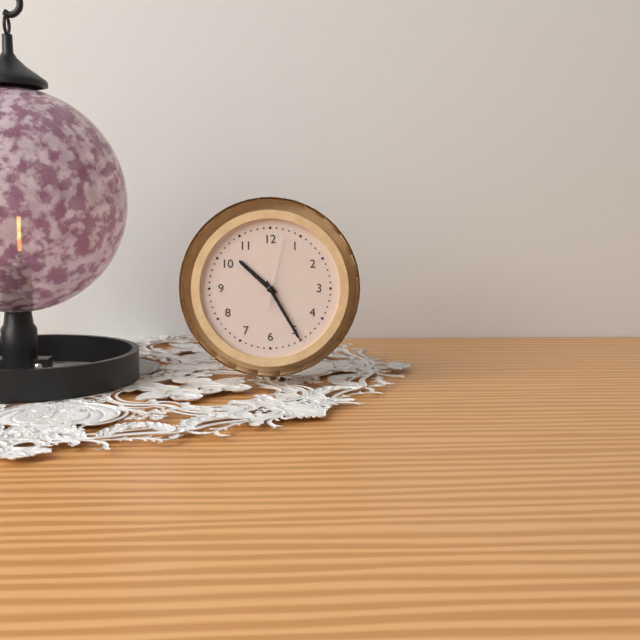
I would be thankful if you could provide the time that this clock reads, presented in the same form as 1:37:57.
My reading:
10:25:02
